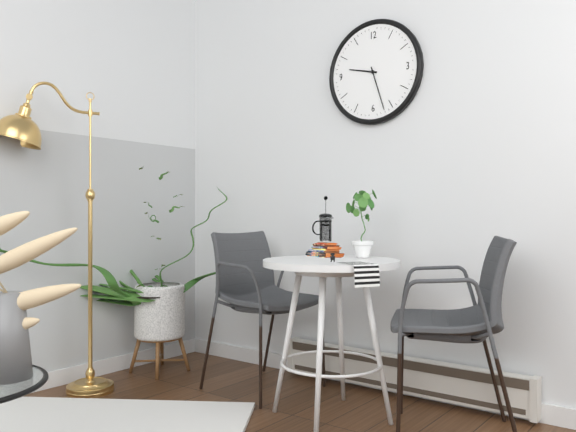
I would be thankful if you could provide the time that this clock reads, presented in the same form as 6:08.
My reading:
9:27
